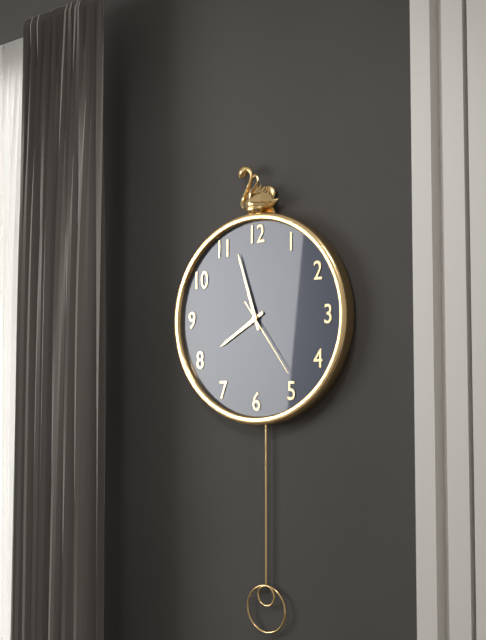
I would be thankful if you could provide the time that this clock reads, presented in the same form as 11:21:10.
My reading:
7:57:24
